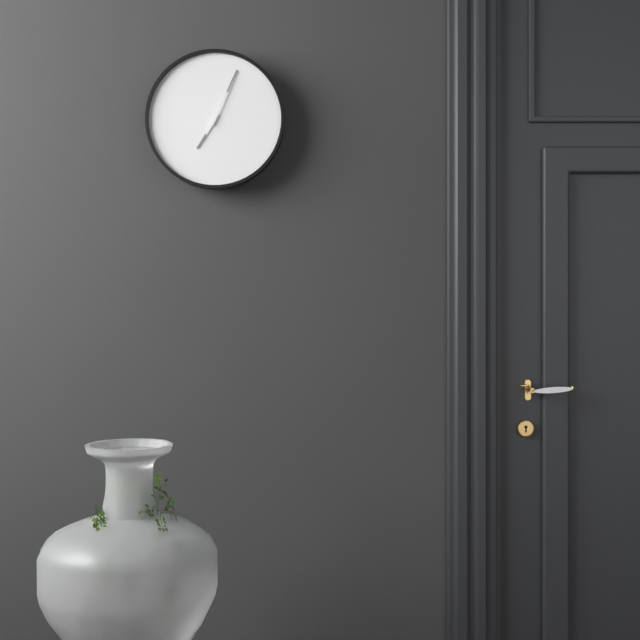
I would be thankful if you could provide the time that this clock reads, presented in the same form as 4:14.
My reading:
7:04
